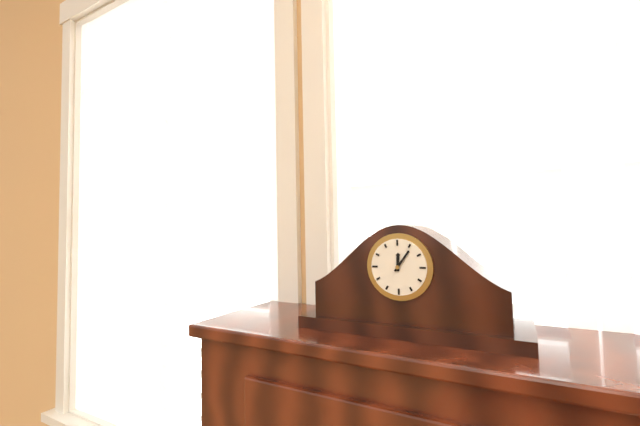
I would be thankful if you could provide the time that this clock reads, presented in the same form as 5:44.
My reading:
12:06
